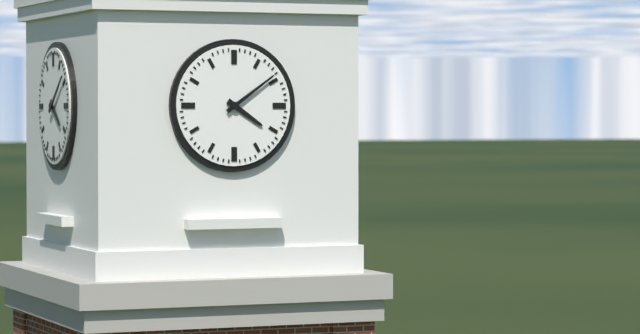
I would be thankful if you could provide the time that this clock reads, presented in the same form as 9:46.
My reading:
4:09
